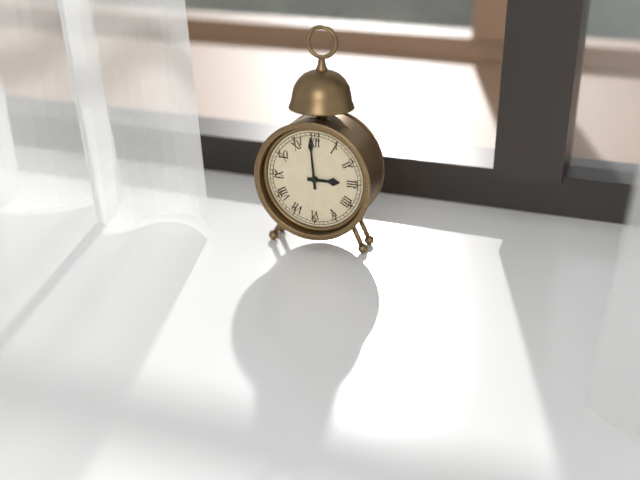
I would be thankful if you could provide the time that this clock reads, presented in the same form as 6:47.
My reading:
2:59
